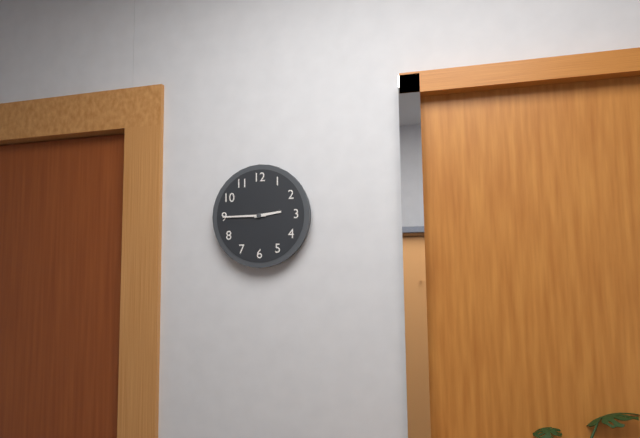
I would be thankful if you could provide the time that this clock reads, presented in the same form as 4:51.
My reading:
2:45
